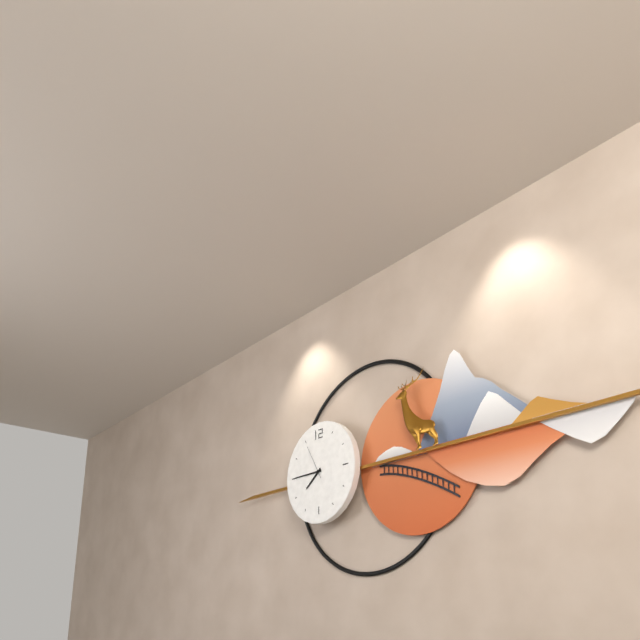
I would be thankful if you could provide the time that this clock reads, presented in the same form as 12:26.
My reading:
7:45
